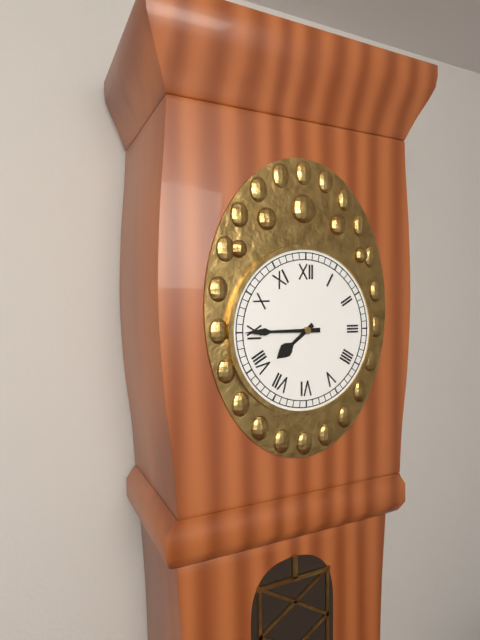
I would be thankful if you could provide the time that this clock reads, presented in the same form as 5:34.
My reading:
7:45
